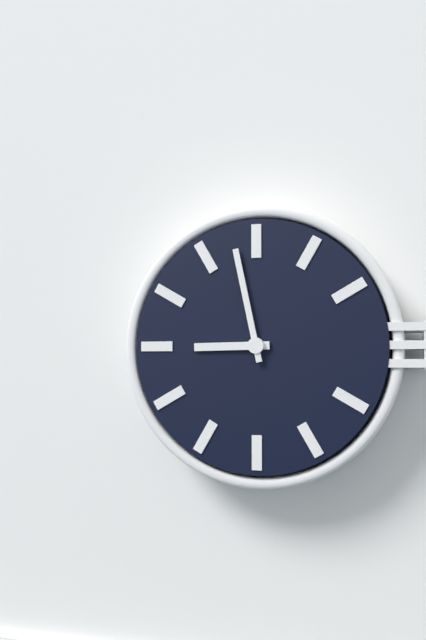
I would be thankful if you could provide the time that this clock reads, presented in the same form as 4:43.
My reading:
8:58
